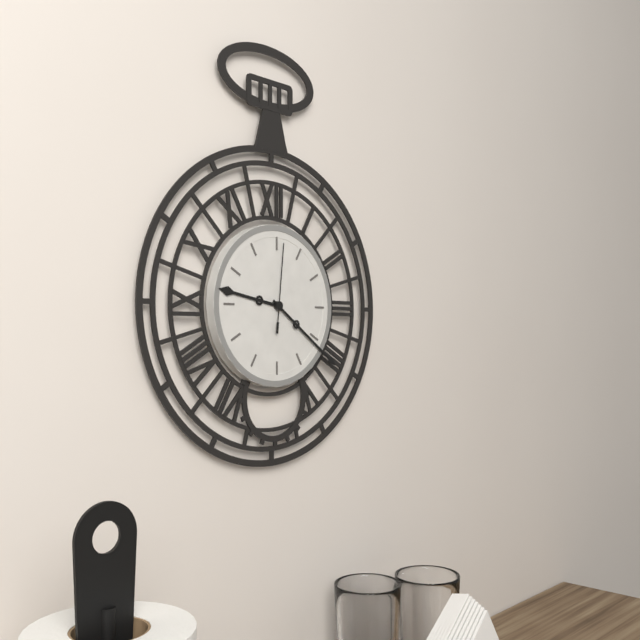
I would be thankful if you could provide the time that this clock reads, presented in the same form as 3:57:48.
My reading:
9:21:01
